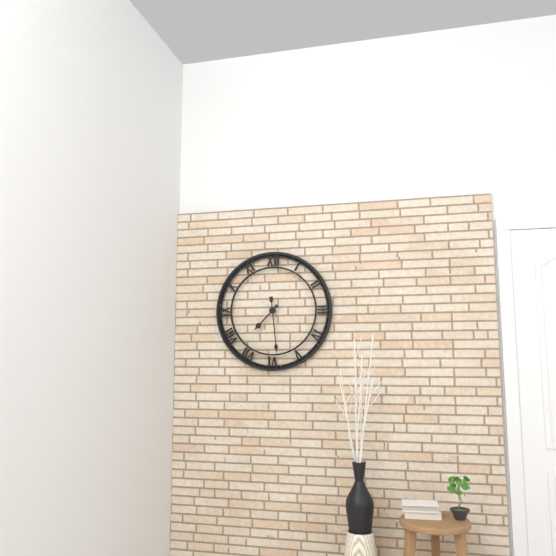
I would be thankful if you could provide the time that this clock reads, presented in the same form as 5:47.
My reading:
7:29
